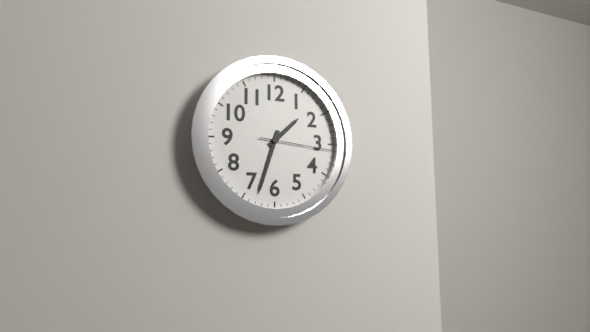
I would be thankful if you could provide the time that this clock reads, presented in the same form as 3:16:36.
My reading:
1:33:16
